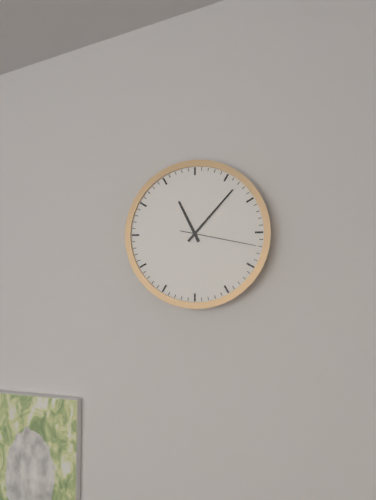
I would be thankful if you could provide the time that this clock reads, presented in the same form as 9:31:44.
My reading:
11:07:17
